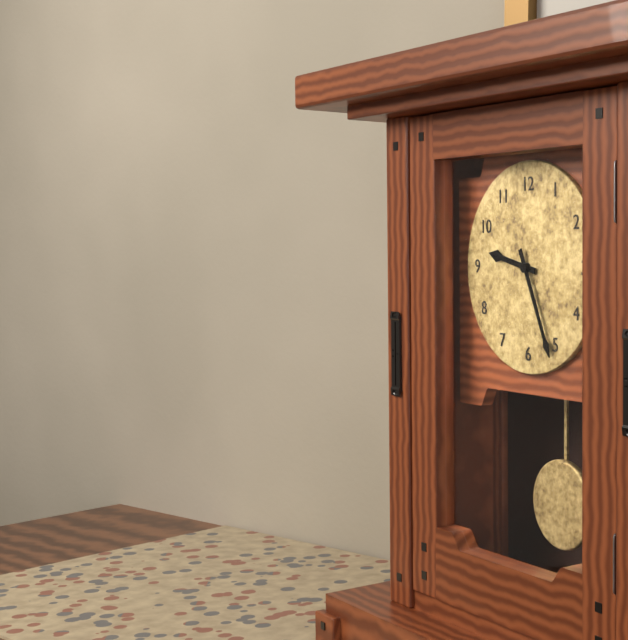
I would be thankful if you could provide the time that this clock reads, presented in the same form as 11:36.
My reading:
9:26
